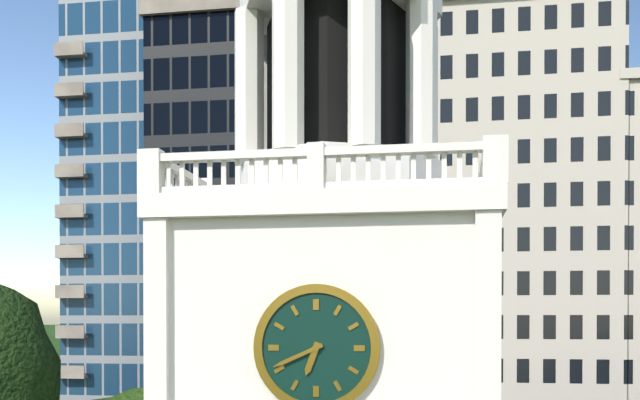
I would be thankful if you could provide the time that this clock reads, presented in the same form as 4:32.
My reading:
6:41
